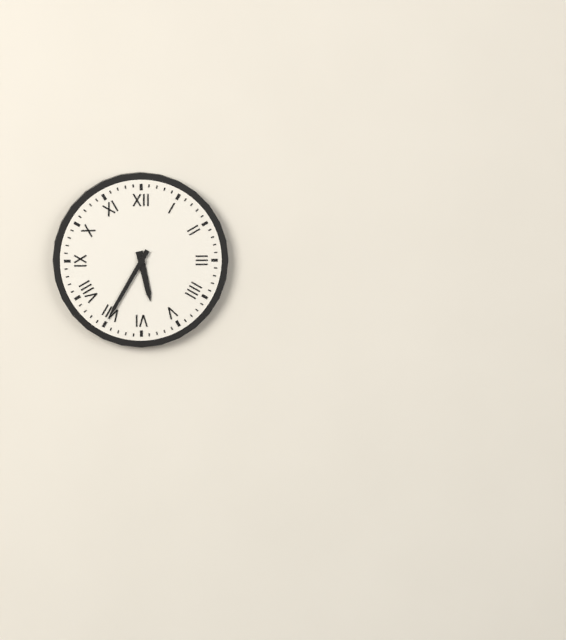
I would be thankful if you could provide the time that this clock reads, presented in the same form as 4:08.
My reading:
5:35
